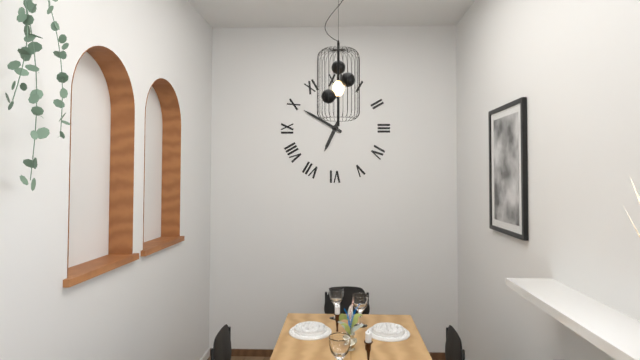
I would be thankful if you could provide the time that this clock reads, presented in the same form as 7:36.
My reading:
6:50
